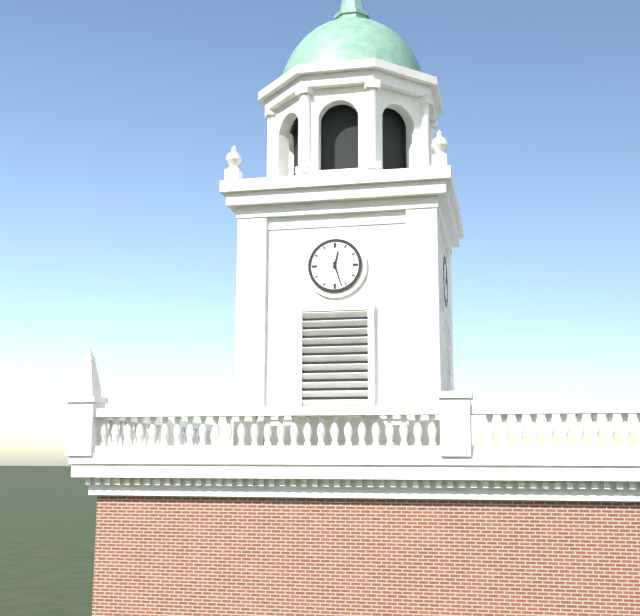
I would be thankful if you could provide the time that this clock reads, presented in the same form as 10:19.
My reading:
12:27
